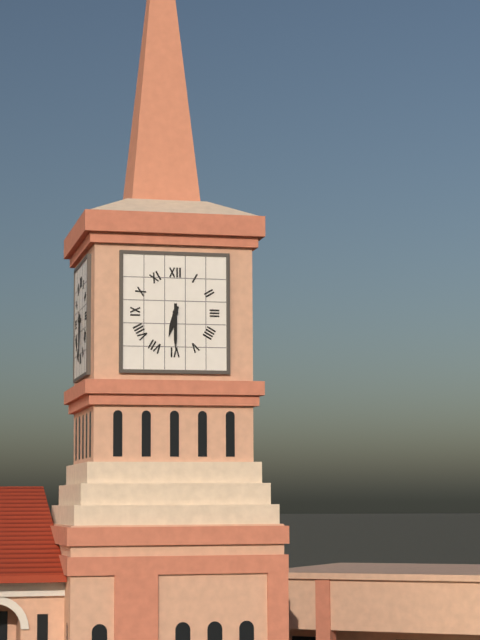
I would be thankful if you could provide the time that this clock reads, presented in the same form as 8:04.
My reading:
6:30
